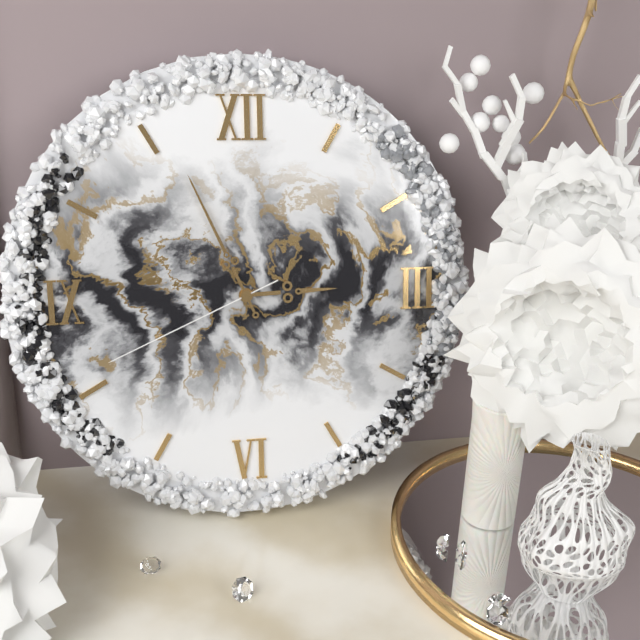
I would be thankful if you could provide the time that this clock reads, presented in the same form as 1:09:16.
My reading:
2:56:41
